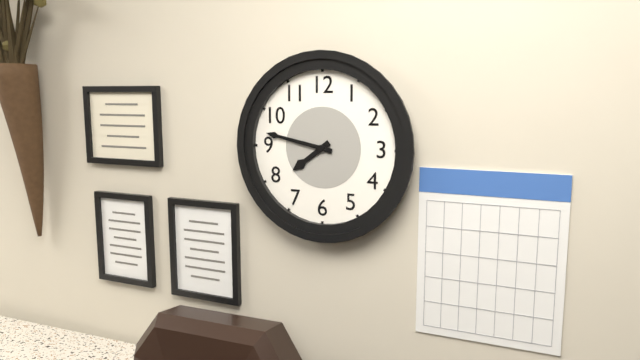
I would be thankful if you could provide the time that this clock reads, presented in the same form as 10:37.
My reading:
7:47
